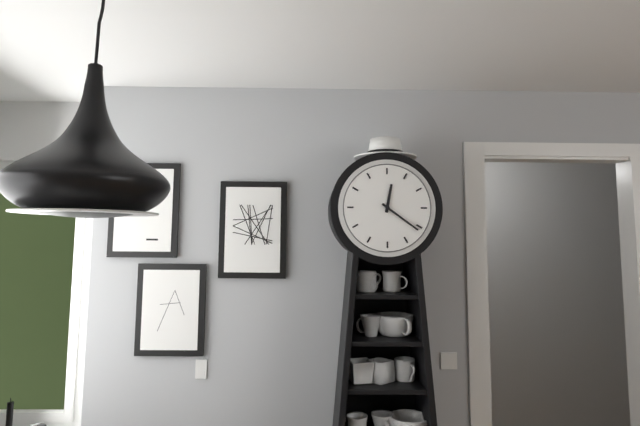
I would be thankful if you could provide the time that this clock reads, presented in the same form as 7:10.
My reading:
12:21
